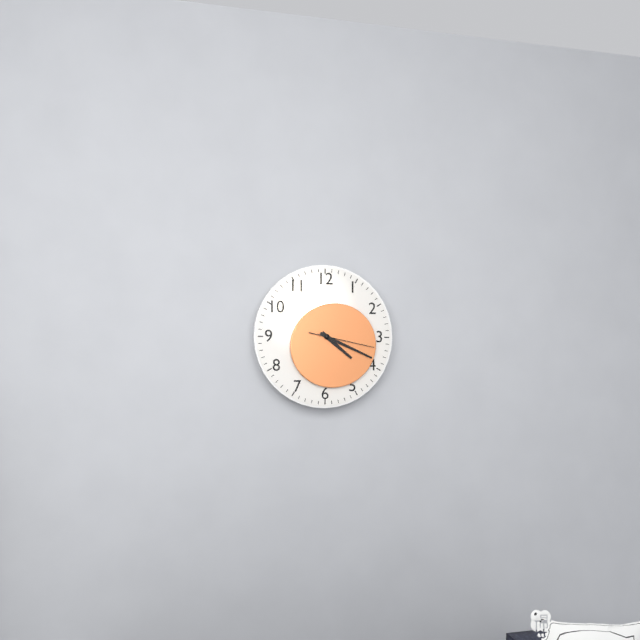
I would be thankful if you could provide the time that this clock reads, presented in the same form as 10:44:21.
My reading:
4:19:17
